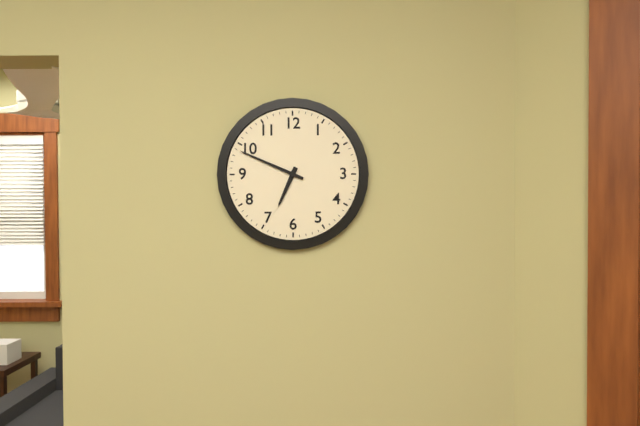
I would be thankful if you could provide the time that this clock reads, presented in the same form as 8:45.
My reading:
6:49
